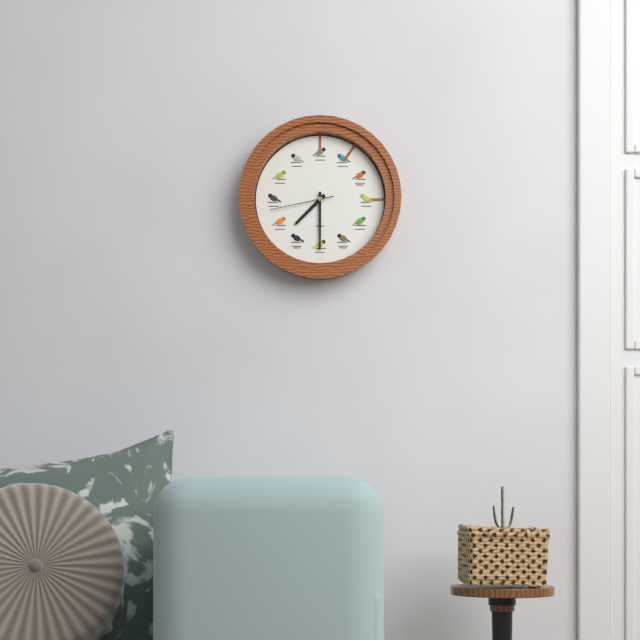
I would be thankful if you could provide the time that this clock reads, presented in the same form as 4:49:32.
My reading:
7:30:43
